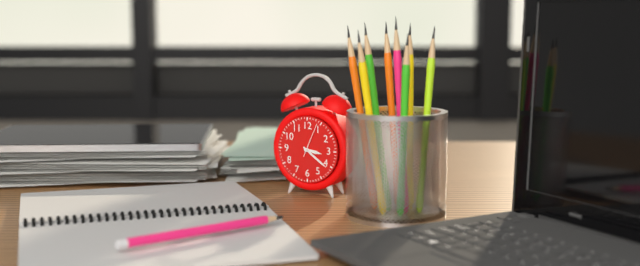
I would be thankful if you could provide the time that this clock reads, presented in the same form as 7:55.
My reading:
3:21
